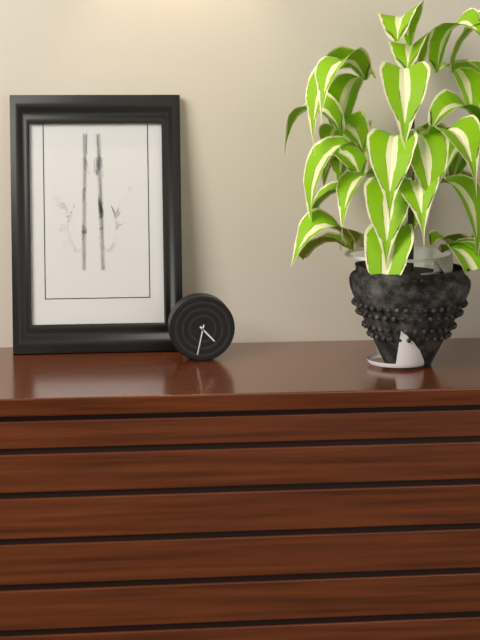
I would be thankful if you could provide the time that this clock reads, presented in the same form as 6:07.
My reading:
4:32
